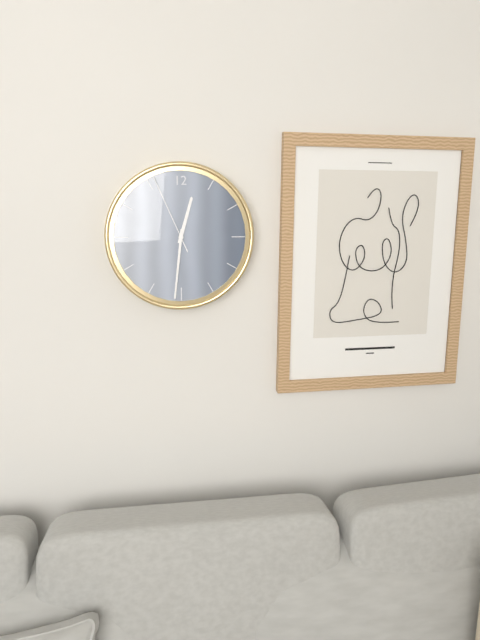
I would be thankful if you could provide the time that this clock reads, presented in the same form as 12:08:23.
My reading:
12:31:56
